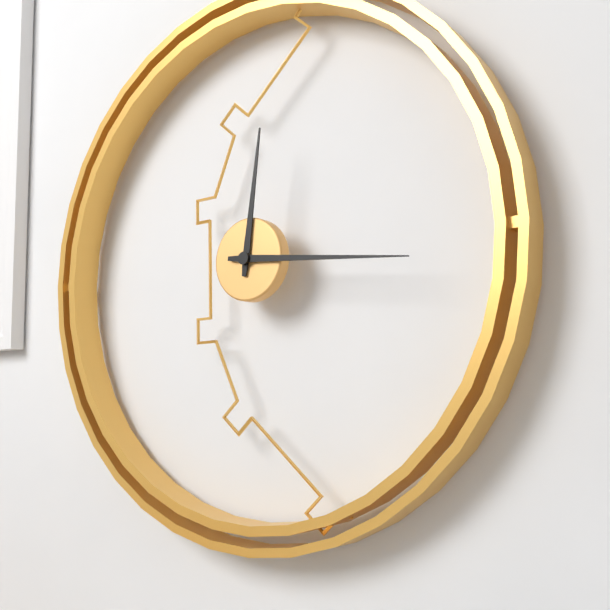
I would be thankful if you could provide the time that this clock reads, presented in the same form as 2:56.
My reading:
12:16
